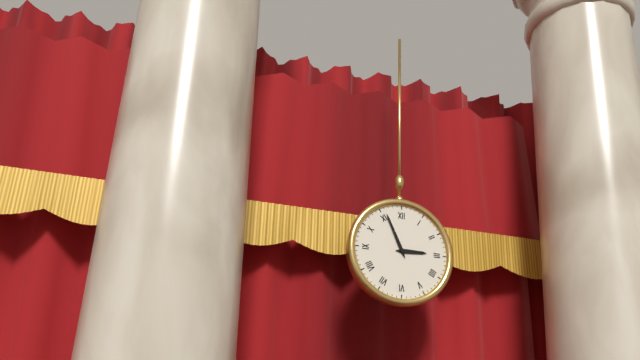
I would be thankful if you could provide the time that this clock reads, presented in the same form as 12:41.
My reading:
2:56
